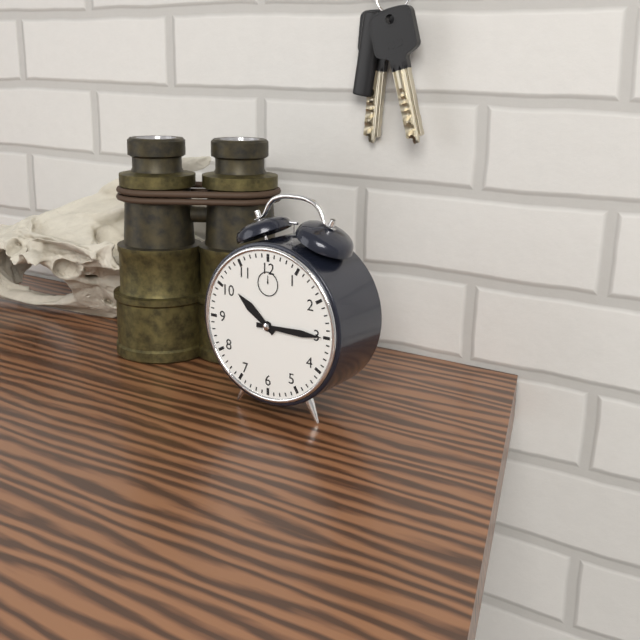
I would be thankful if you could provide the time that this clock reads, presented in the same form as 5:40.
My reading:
10:15
